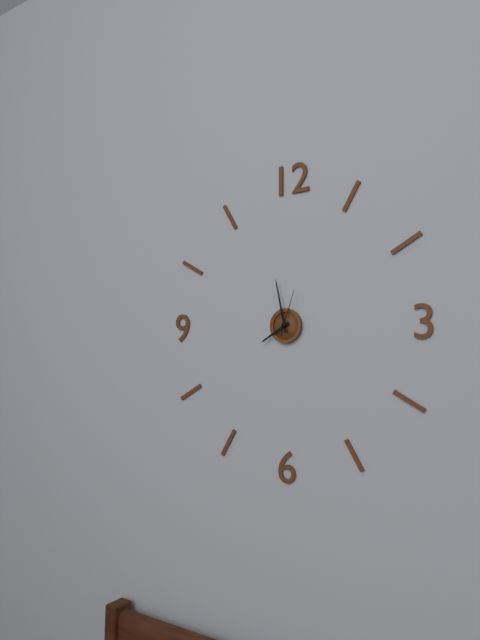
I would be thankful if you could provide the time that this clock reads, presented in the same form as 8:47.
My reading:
7:58
